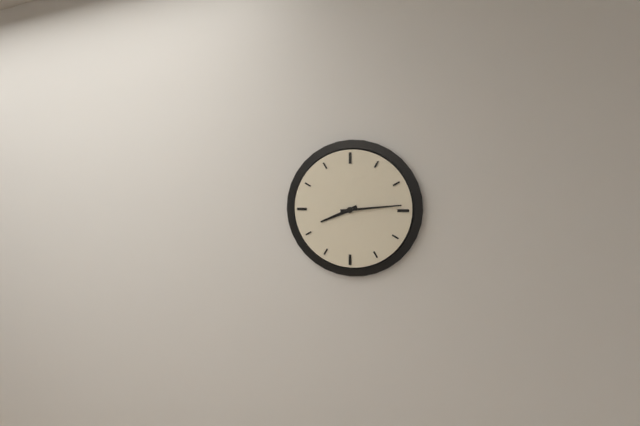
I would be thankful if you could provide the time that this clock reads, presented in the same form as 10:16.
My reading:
8:14
